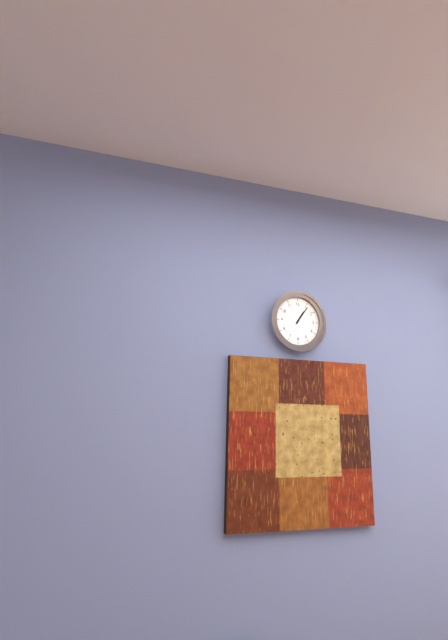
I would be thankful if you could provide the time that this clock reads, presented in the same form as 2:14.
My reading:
1:06
